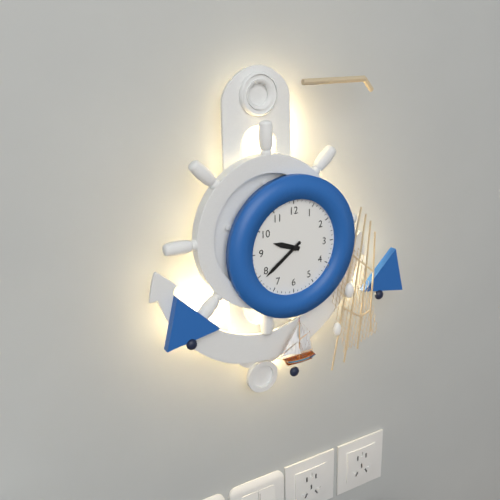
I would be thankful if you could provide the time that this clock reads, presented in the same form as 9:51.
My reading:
9:39
